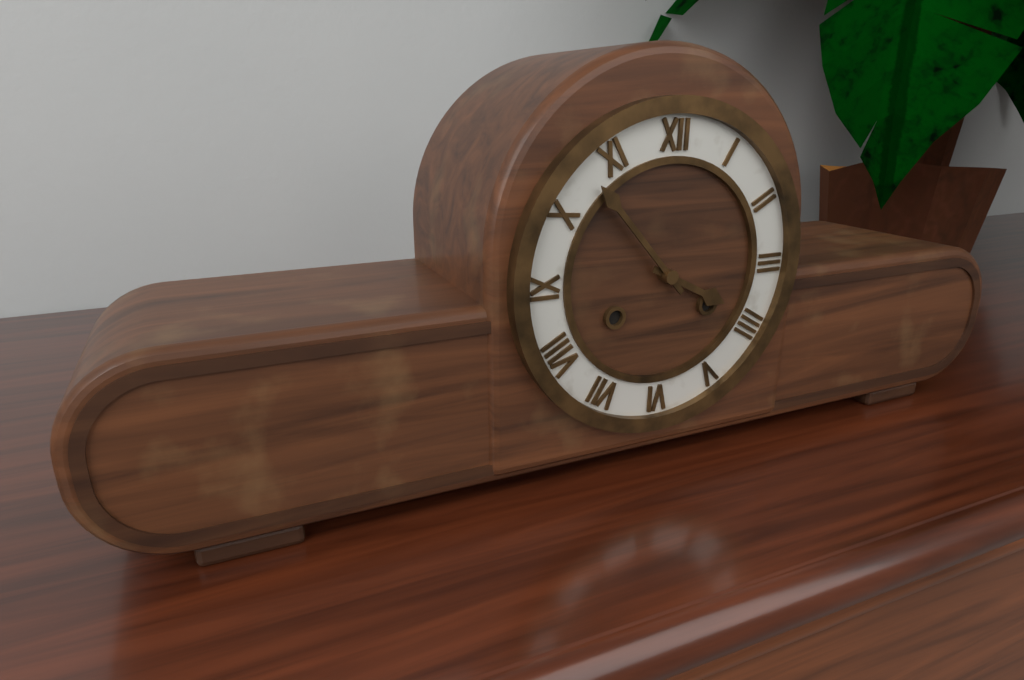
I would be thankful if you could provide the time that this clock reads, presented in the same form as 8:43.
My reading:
3:53
